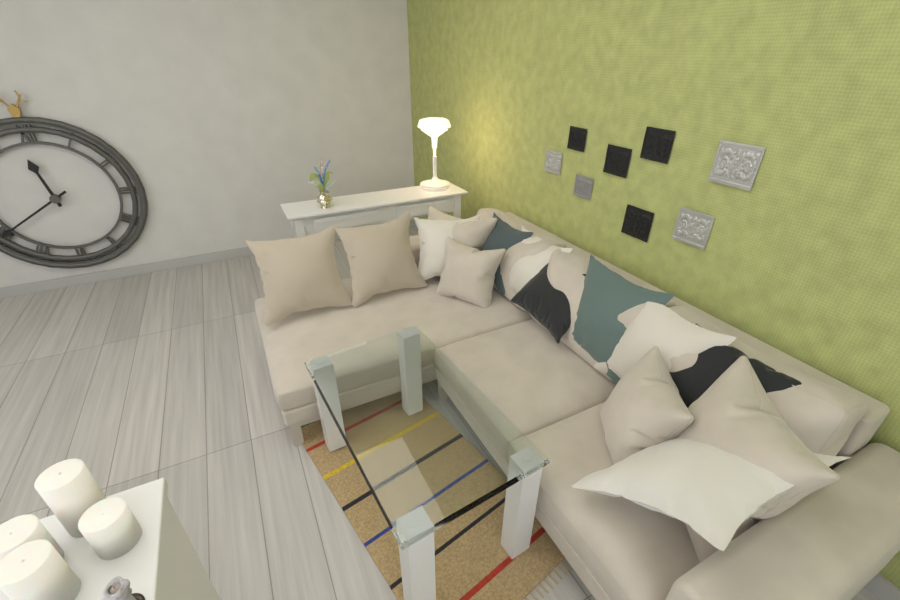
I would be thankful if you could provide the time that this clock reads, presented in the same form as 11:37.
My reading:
11:40
